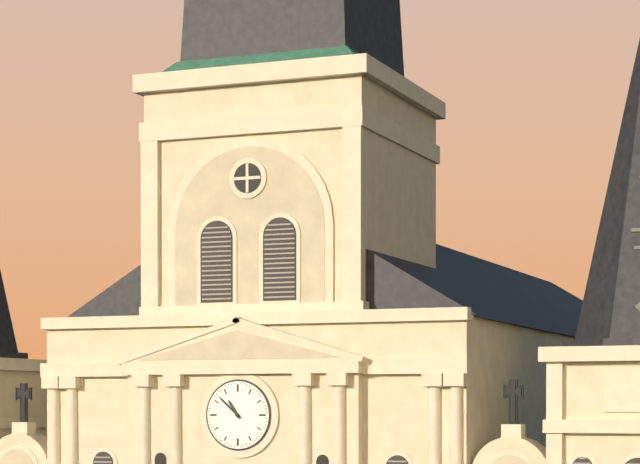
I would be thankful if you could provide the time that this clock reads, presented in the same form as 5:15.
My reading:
10:52
